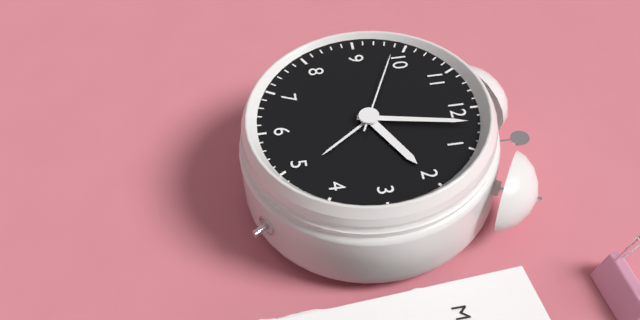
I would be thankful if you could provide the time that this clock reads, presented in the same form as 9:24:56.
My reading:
2:02:49
